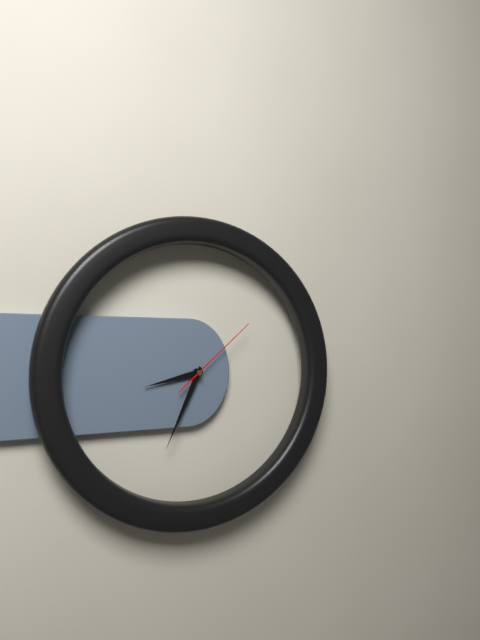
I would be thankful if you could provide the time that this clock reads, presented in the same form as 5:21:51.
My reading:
8:34:08
